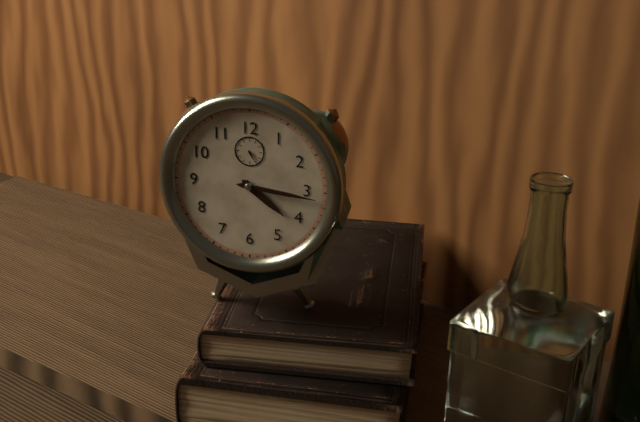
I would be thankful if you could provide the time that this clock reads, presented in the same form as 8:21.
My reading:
4:16
